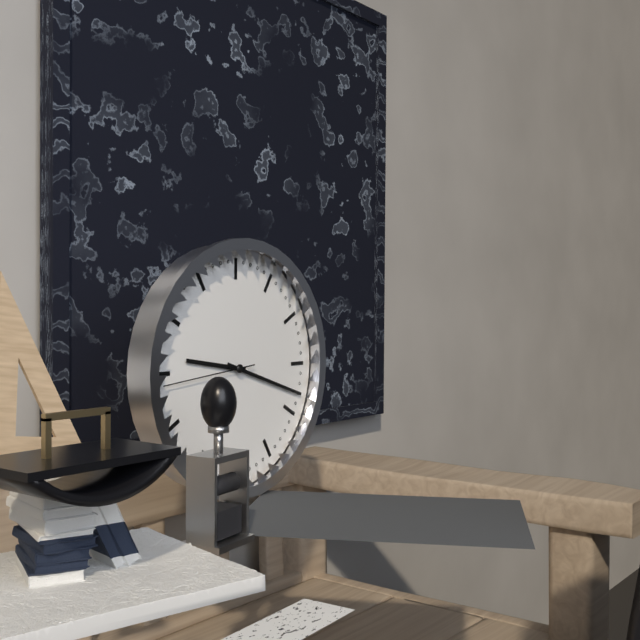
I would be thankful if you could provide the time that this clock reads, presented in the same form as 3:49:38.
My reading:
9:18:44
